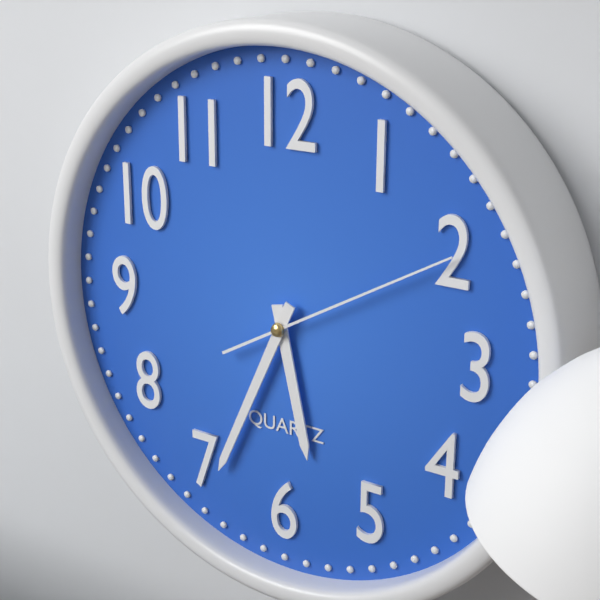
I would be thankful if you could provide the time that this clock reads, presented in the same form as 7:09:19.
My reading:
5:34:10
